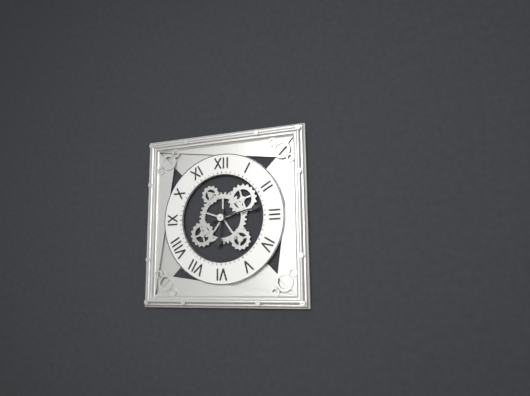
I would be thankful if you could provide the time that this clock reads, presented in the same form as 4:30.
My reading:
6:13
